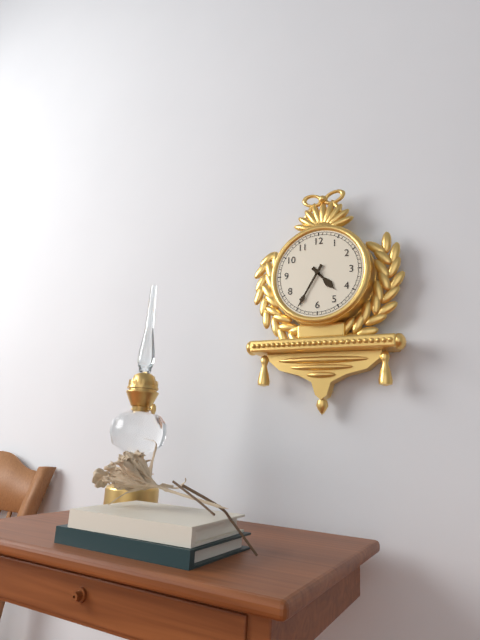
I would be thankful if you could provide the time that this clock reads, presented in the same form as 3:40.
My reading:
4:35
